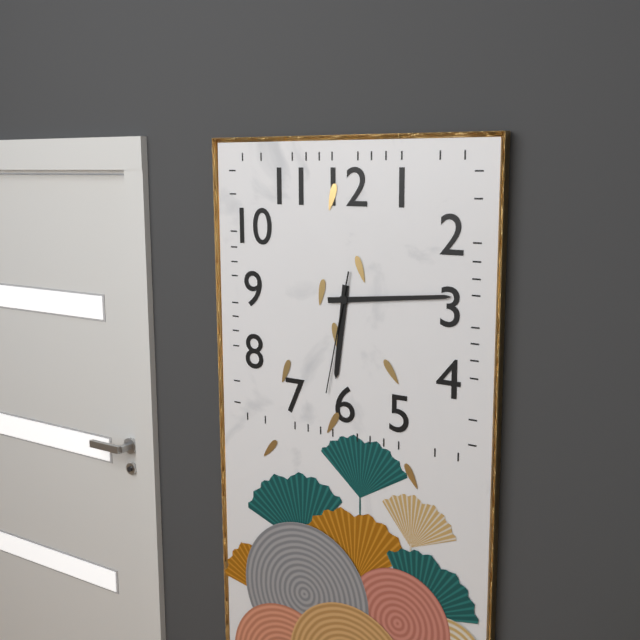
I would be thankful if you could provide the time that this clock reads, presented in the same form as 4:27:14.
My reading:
6:14:32
